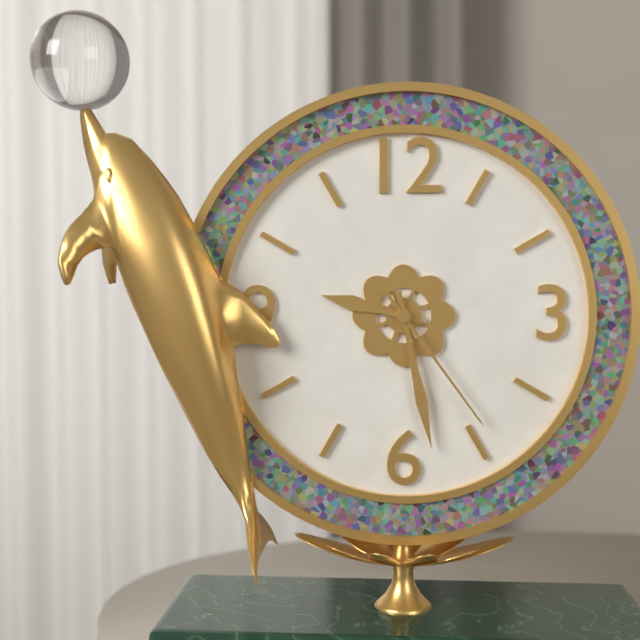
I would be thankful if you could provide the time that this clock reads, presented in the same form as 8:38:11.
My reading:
9:28:24
